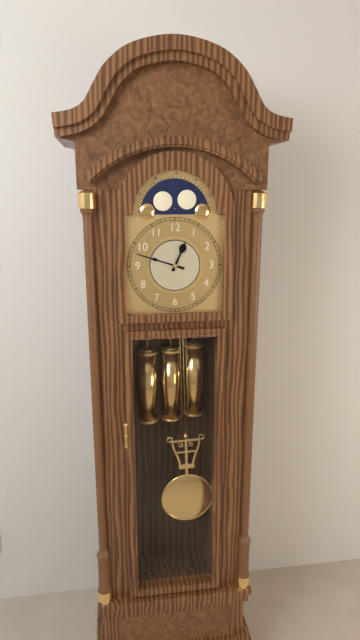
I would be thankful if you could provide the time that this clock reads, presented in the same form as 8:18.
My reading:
12:48
